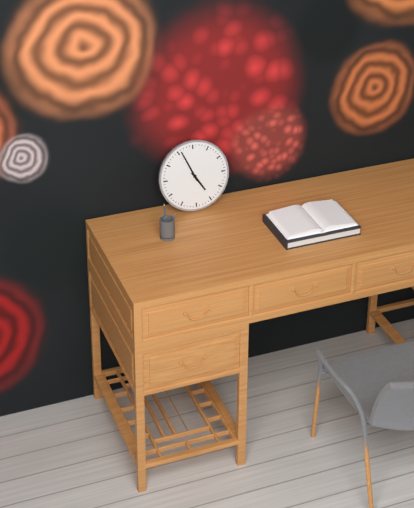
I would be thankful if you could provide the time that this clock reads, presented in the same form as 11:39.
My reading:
4:56
